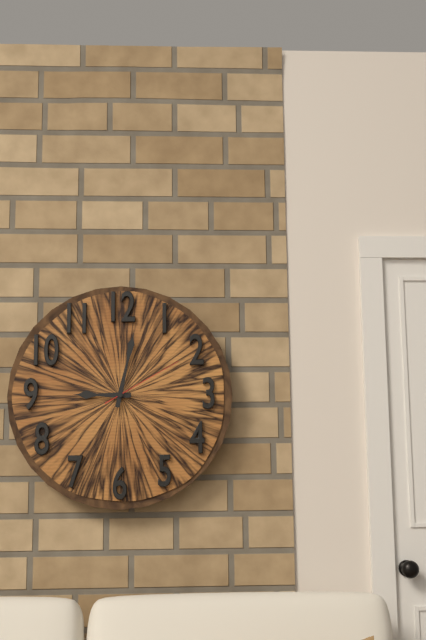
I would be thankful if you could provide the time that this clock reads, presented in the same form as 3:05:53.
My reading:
9:02:10
